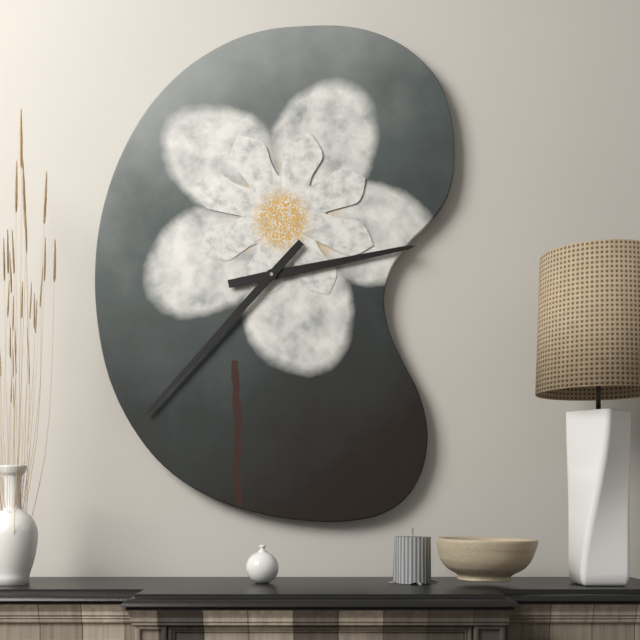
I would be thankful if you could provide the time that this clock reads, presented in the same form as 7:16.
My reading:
2:37
